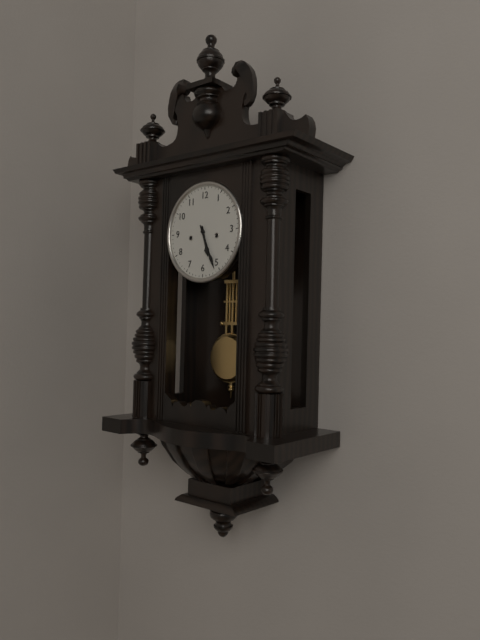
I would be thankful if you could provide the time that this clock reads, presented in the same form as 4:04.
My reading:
5:26
